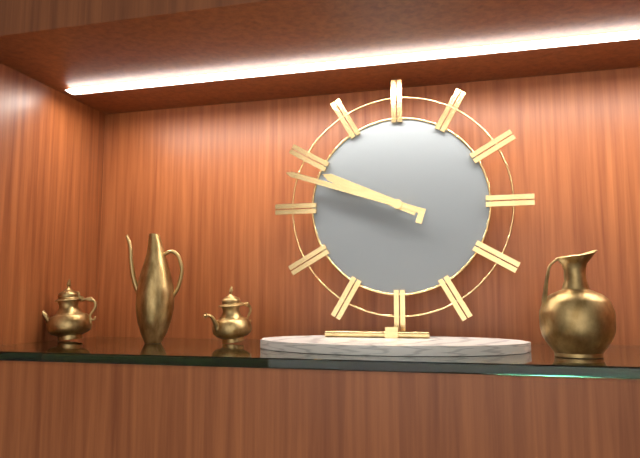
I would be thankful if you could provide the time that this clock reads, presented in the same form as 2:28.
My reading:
9:48
